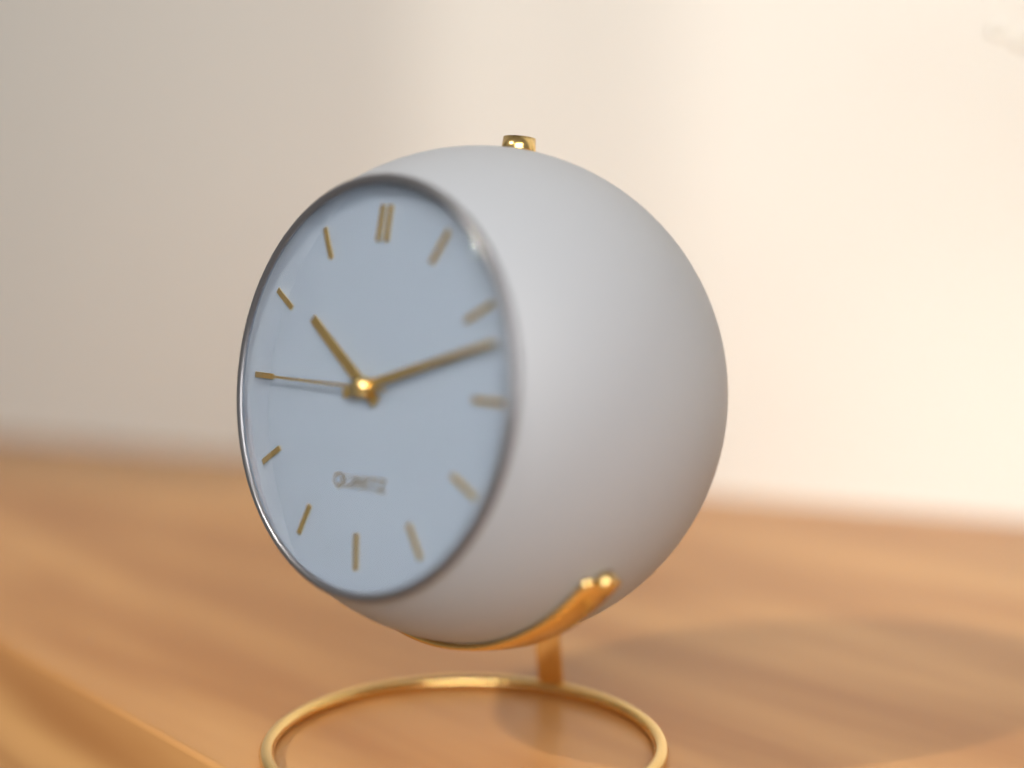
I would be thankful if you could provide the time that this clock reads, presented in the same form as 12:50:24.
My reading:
10:12:45
